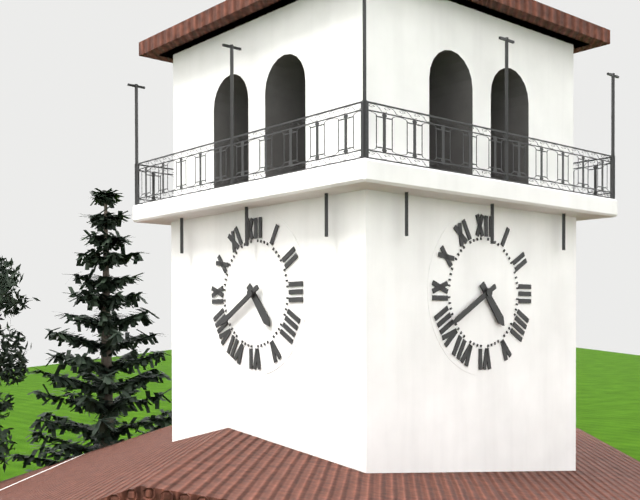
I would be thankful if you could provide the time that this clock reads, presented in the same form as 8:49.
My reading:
4:40
